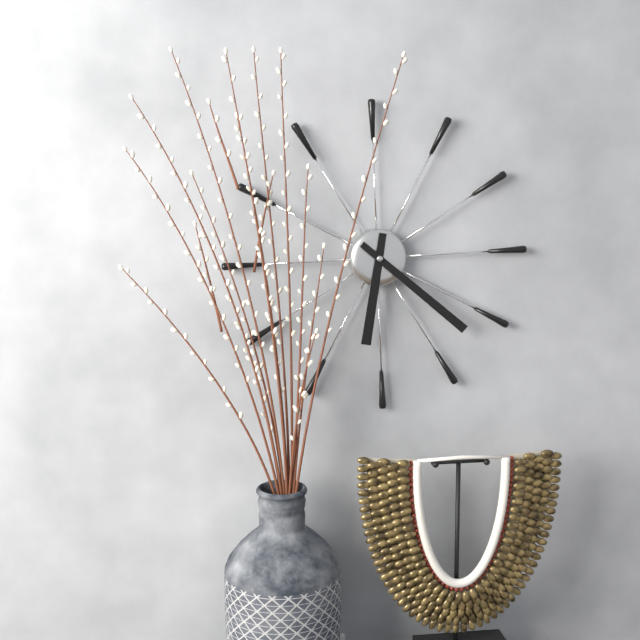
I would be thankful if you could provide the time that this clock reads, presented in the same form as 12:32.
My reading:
6:22
